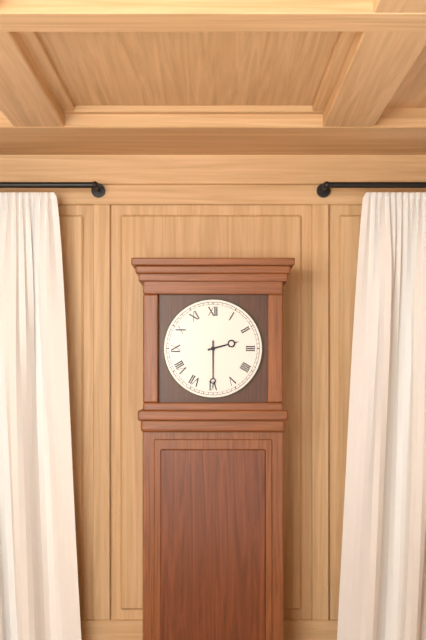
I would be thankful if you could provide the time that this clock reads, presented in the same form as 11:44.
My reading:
2:30
